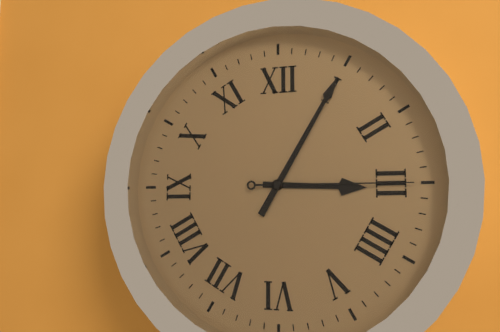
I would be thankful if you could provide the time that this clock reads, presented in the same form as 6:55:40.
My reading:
3:05:15
